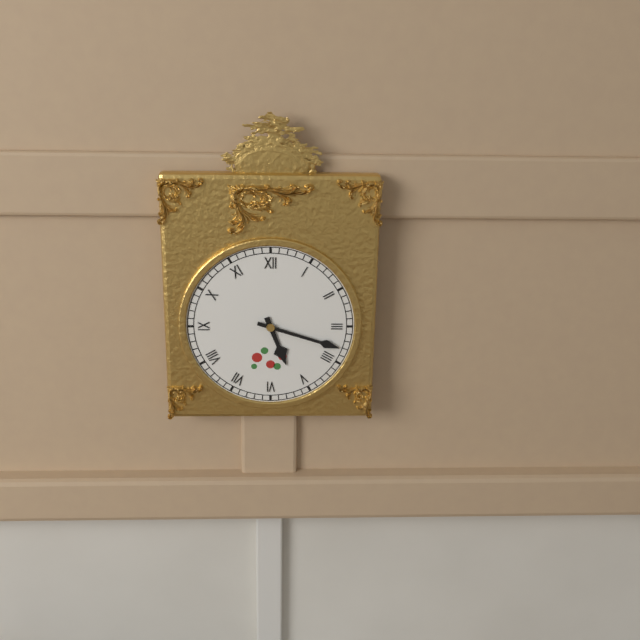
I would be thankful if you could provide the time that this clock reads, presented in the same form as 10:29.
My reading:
5:18
